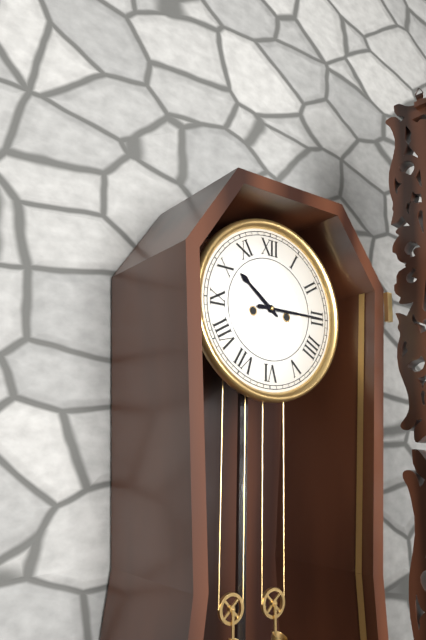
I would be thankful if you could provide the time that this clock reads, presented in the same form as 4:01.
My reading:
10:15
